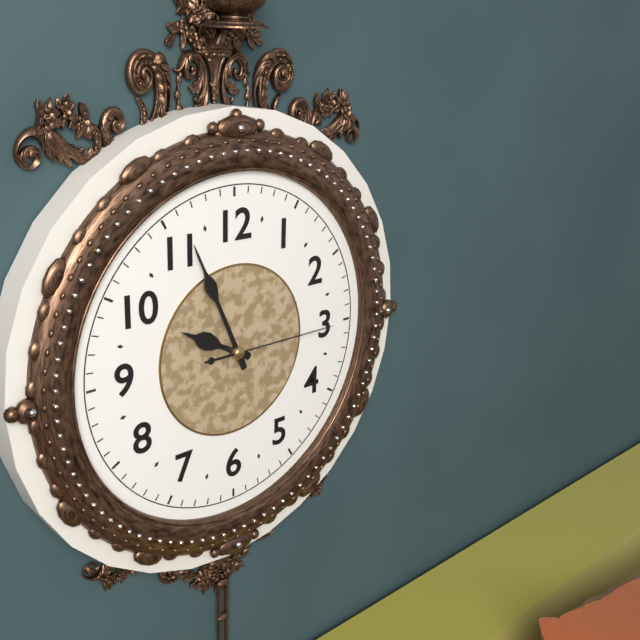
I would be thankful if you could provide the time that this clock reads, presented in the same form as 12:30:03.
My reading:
9:56:15
